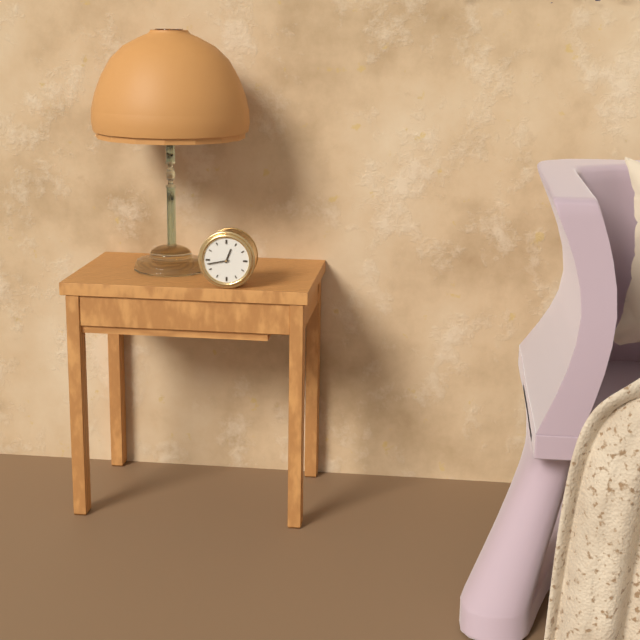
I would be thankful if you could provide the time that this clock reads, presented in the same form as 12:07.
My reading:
12:43
